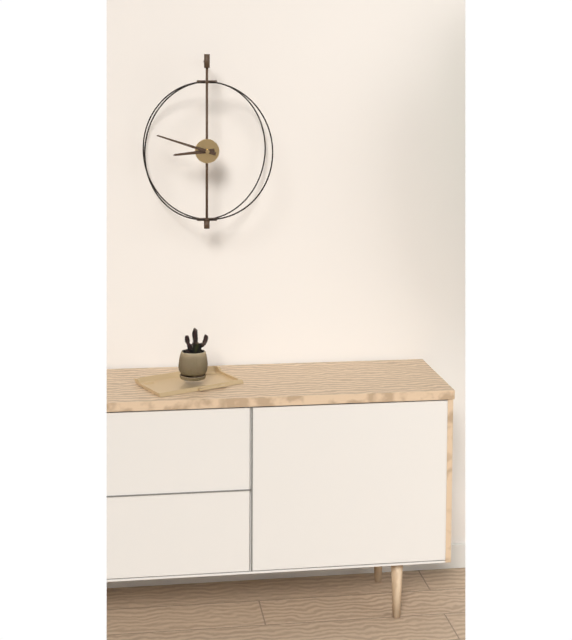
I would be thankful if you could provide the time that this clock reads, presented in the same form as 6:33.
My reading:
8:48
